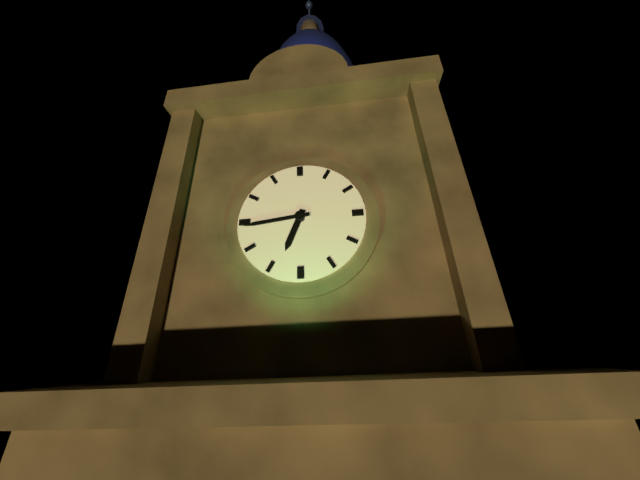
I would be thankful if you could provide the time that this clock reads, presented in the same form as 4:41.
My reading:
6:44
